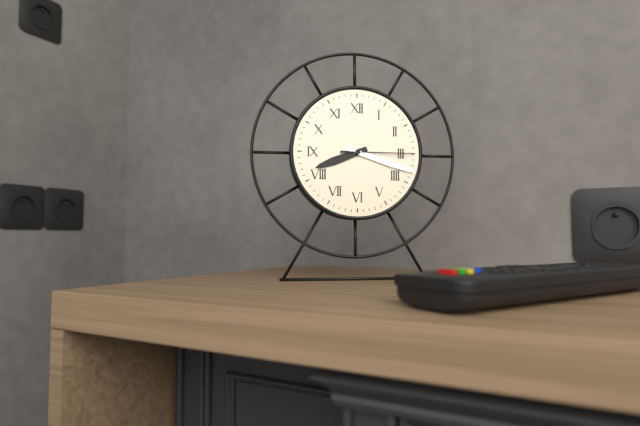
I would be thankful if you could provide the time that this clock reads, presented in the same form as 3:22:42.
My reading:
8:18:15
